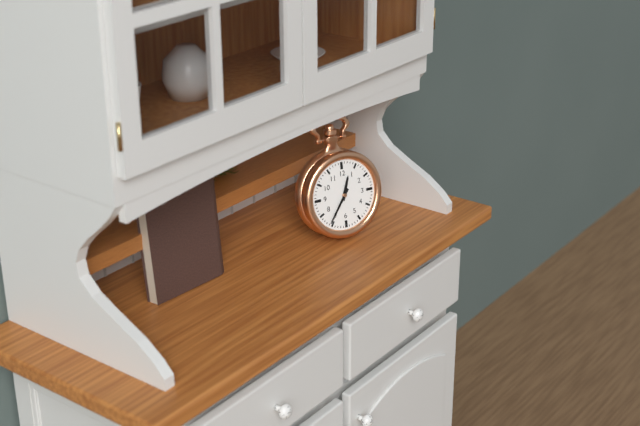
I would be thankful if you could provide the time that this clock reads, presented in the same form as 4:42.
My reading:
12:36
